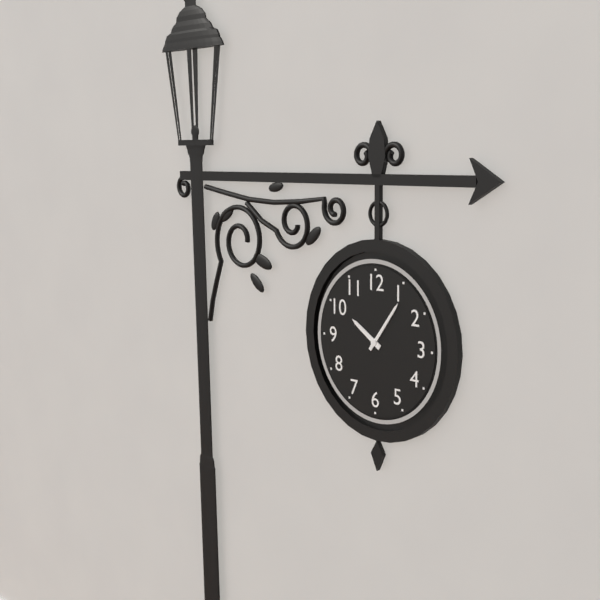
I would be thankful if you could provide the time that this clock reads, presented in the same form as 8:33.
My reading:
10:06
